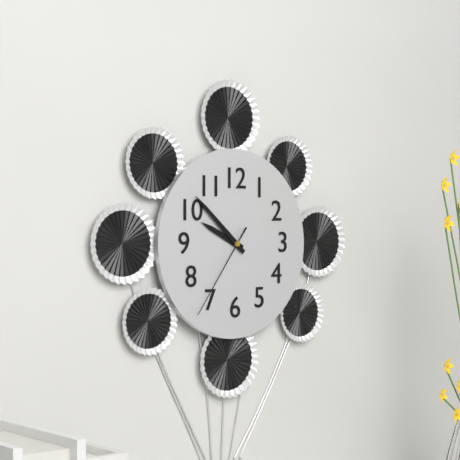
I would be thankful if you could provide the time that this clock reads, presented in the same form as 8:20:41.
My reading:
9:52:36
